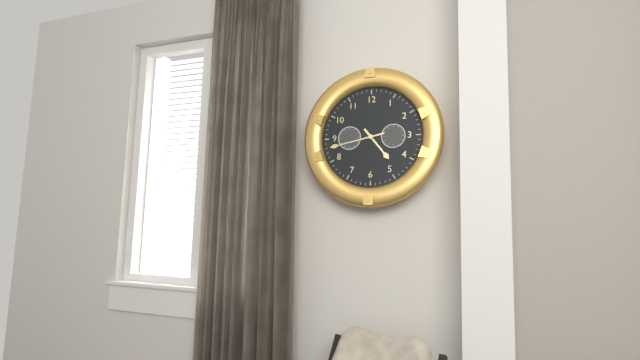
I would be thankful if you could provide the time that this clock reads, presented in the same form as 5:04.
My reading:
4:43
